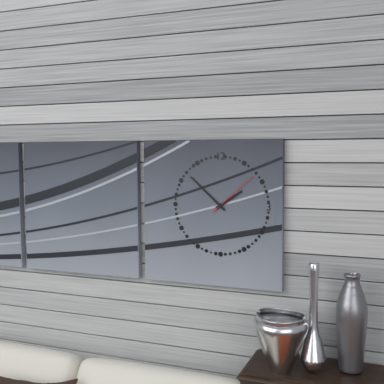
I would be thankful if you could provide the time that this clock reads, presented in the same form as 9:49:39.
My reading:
1:52:08
